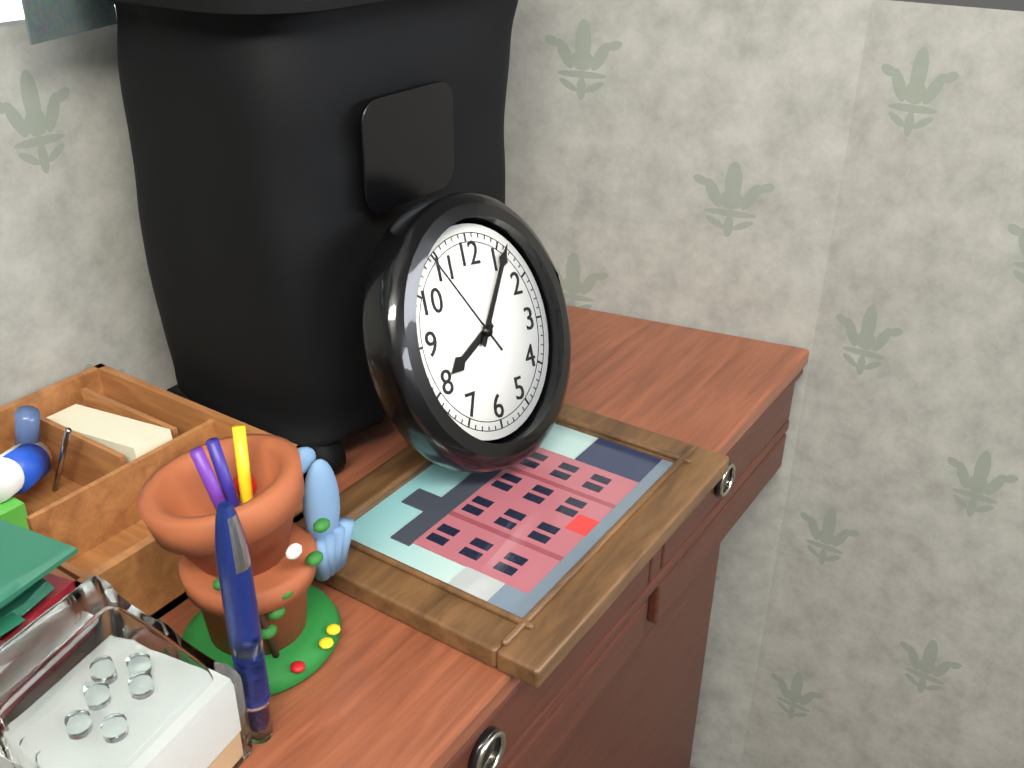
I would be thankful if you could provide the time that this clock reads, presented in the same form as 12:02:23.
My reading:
8:06:54
